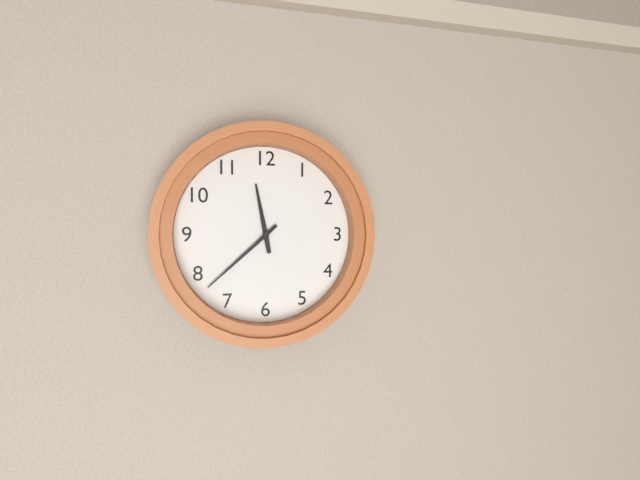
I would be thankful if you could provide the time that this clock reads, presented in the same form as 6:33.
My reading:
11:38
